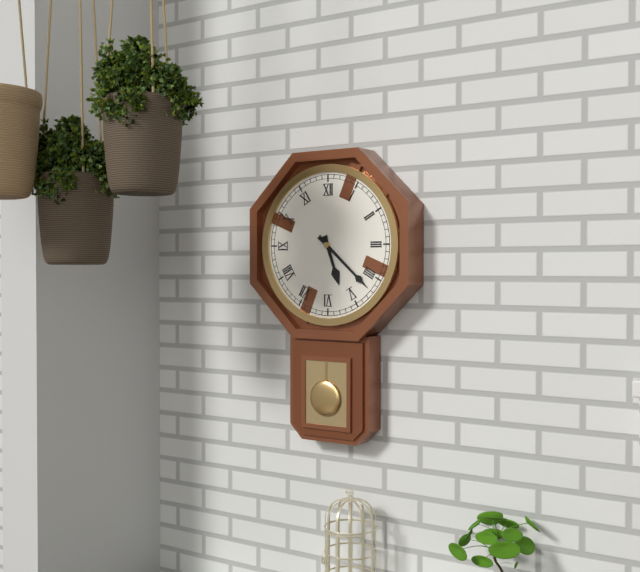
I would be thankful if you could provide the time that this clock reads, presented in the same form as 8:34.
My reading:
5:22
